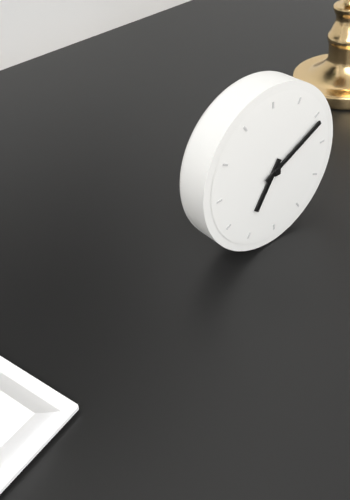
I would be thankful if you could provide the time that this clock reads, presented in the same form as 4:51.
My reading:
7:11
